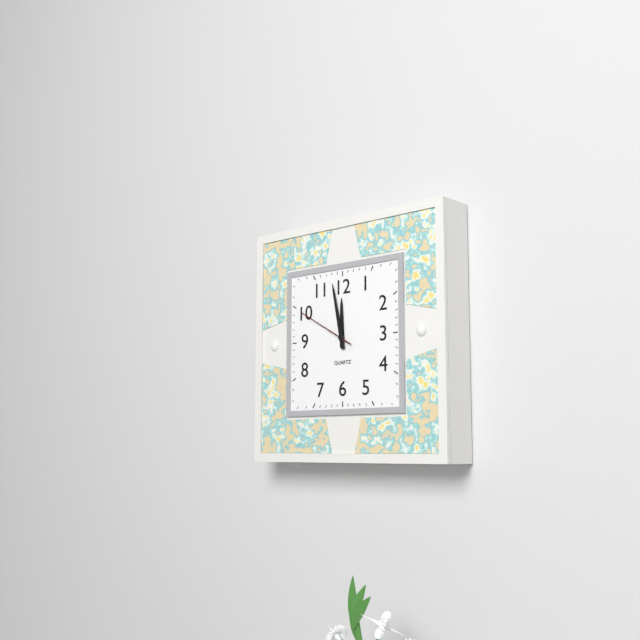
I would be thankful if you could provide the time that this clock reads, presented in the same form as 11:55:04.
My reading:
11:58:50
